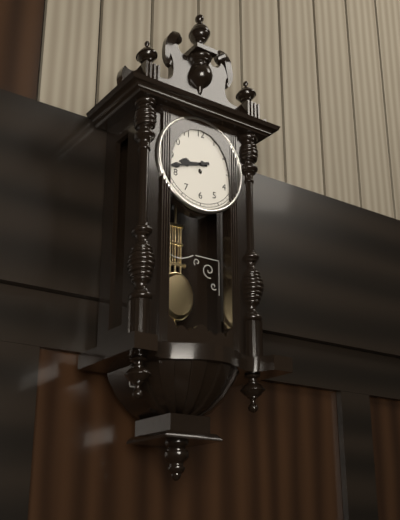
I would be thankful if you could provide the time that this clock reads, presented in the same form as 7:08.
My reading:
8:42
